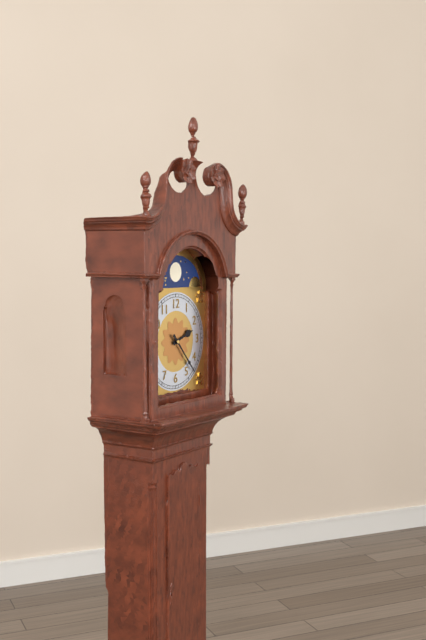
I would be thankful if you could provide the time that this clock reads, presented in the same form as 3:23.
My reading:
2:23
